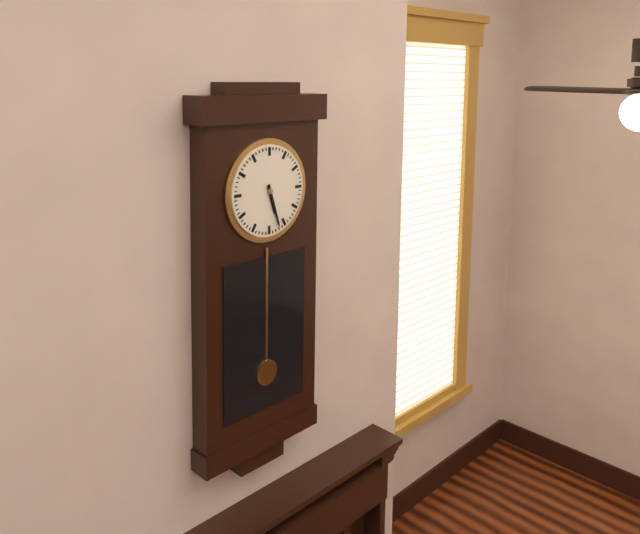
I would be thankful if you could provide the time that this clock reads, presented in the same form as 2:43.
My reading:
5:27
